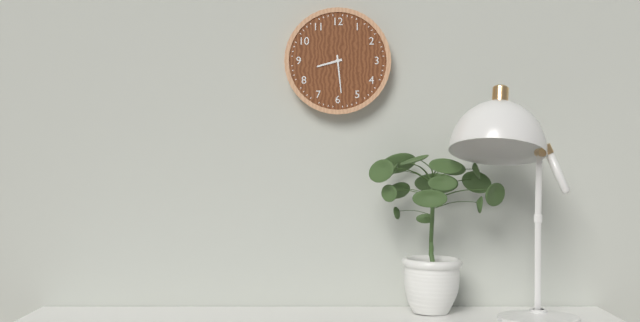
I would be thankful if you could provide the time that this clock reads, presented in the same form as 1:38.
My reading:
8:29
